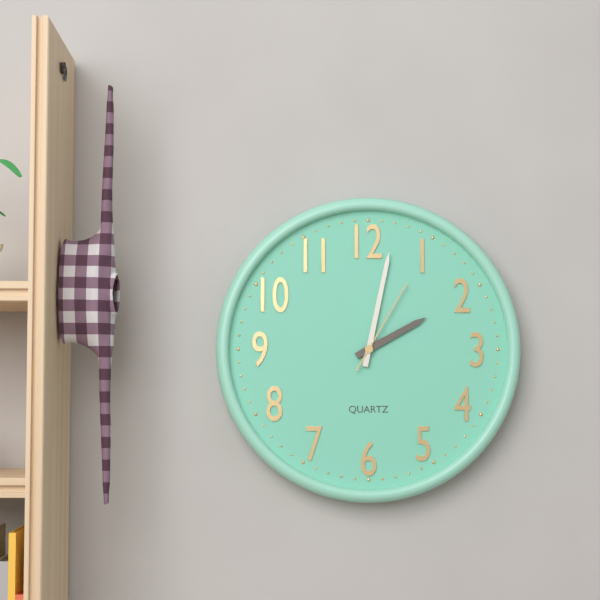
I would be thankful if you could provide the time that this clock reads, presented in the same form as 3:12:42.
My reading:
2:02:05
